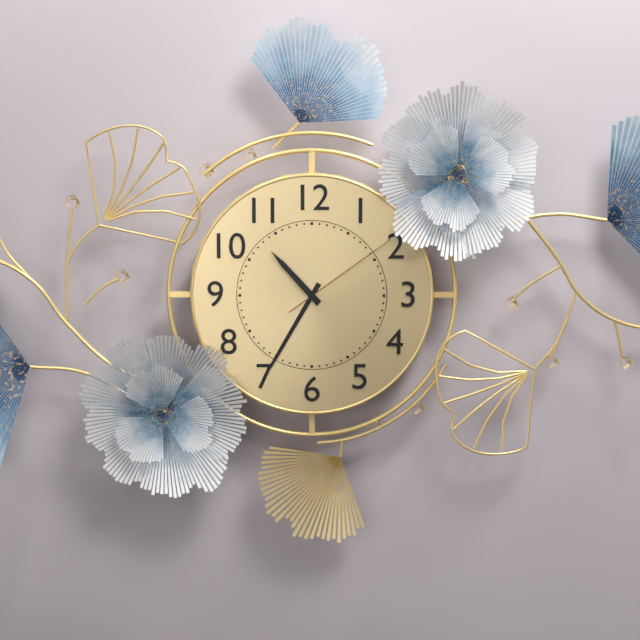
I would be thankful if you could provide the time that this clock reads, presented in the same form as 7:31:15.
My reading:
10:35:09
